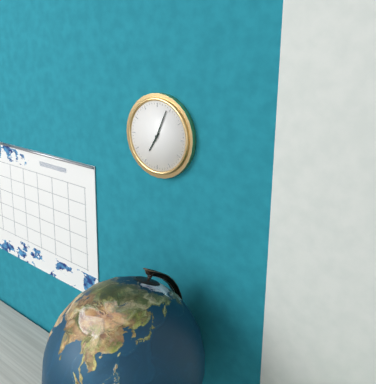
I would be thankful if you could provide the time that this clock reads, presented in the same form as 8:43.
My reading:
7:04
